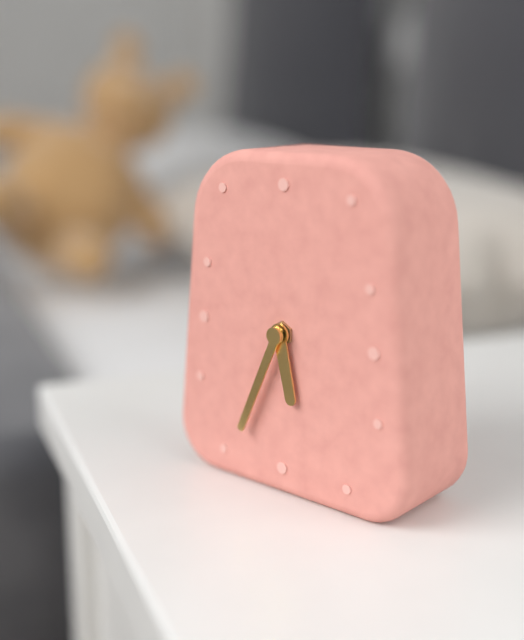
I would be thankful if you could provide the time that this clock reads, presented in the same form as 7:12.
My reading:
5:34
